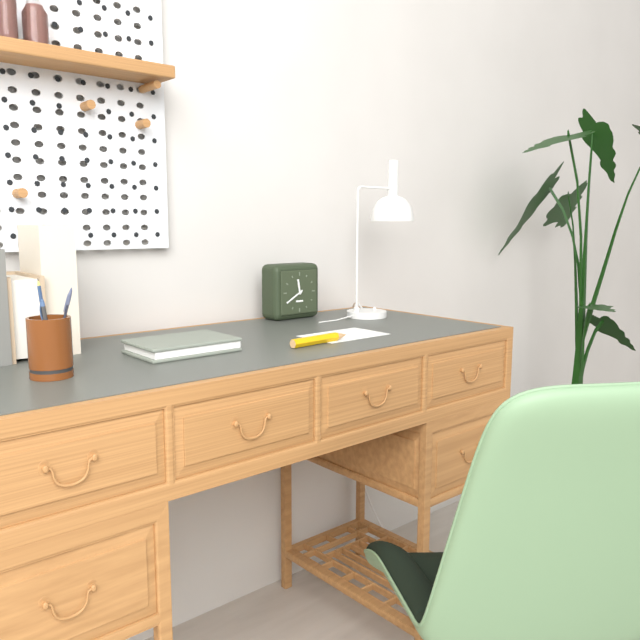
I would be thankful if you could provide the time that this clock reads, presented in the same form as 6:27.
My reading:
11:40
